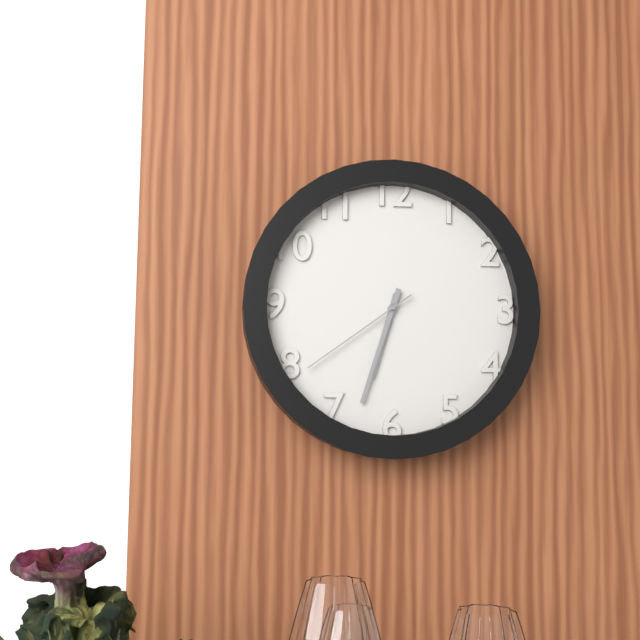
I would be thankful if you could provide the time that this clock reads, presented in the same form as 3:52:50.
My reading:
6:33:39
